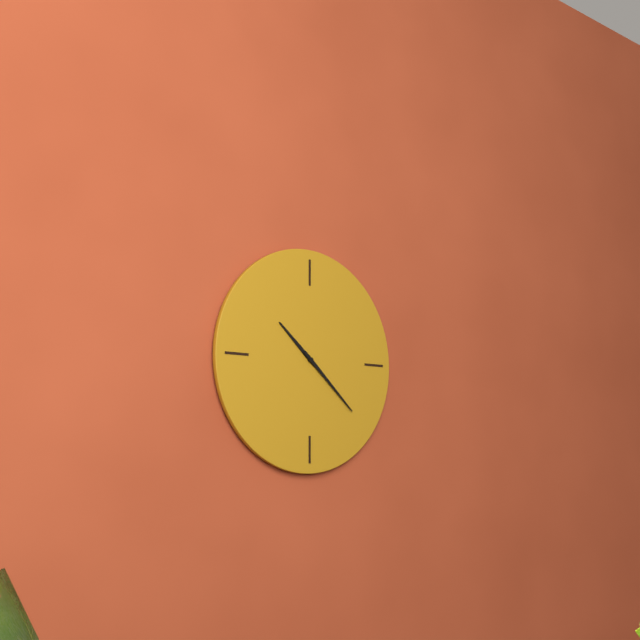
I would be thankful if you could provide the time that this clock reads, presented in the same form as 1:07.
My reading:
10:22
